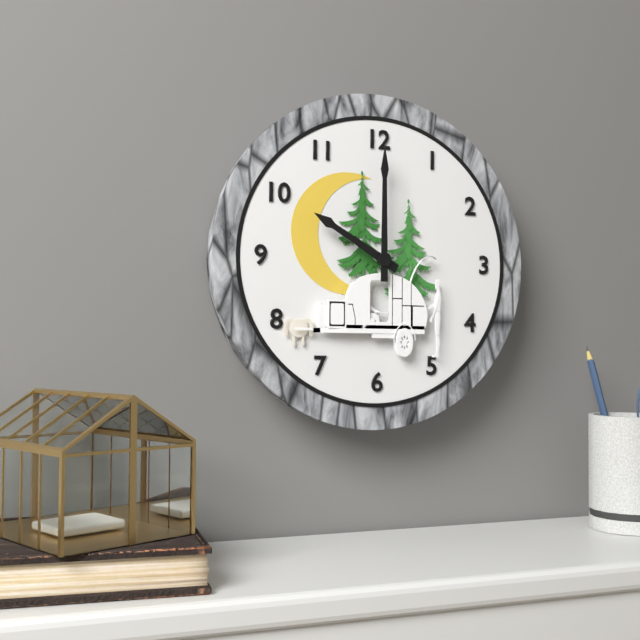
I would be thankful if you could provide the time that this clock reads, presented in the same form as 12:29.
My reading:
10:00
